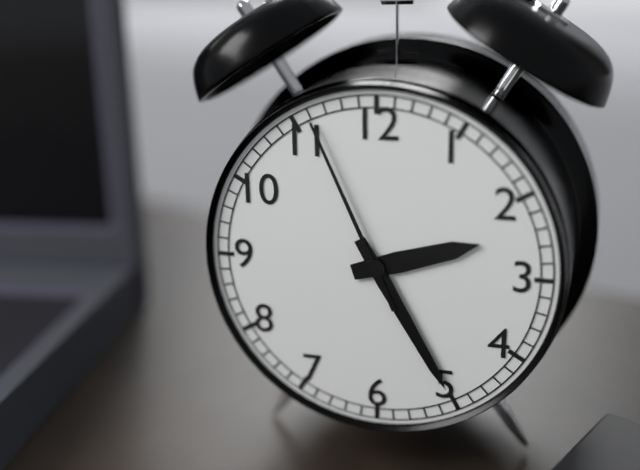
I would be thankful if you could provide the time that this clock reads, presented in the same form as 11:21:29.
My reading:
2:25:56
